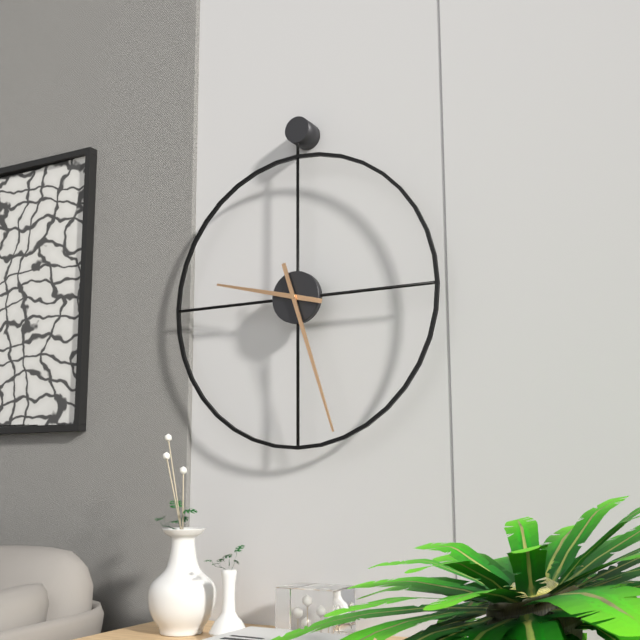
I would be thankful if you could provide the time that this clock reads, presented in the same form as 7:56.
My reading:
9:27
